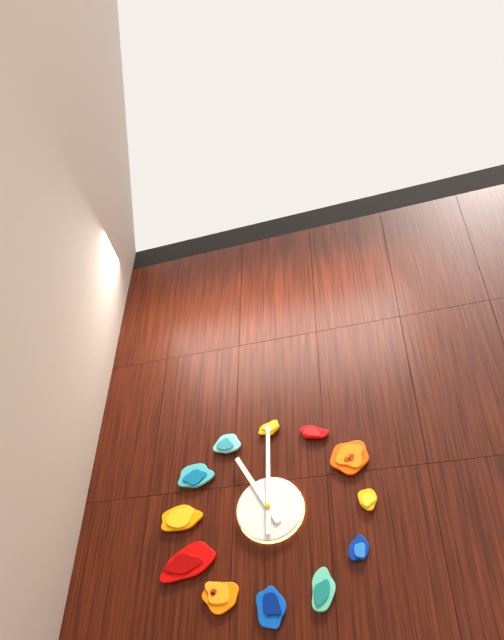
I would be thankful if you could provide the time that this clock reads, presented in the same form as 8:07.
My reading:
11:00
